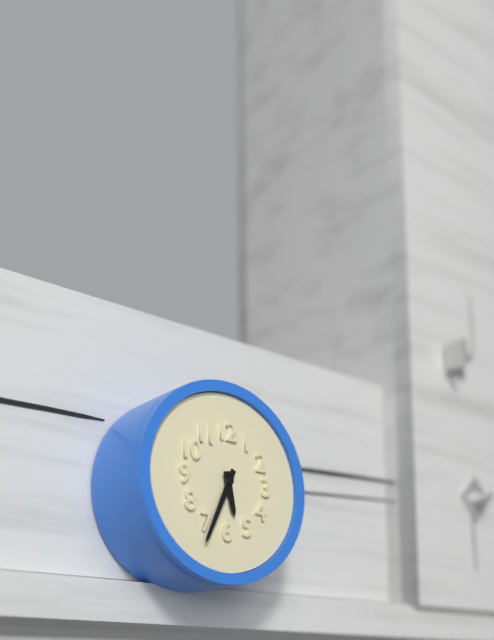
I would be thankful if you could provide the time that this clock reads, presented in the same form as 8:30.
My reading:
5:34
